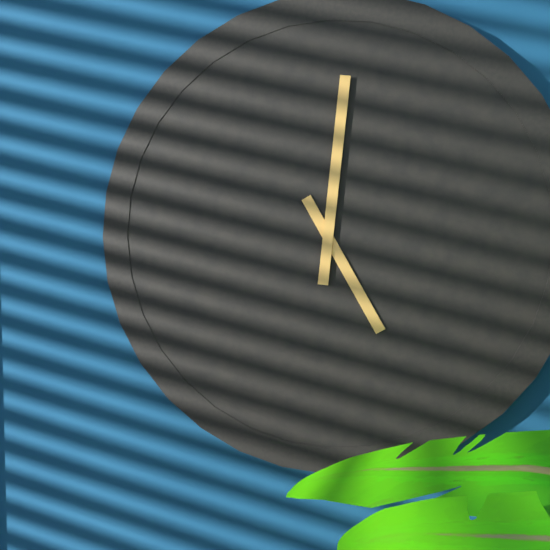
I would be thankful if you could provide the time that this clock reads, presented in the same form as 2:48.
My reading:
5:01
